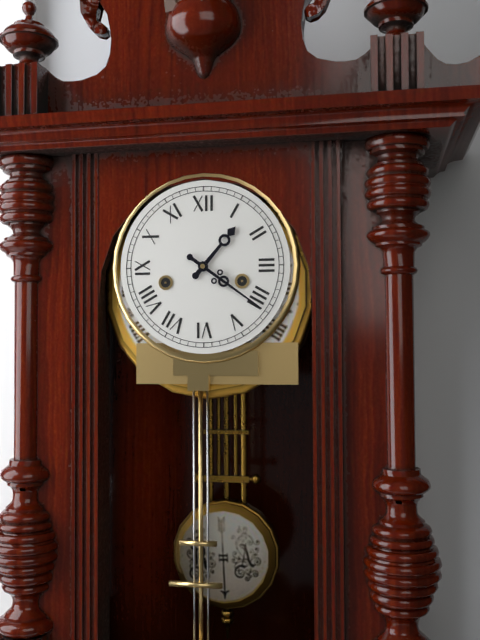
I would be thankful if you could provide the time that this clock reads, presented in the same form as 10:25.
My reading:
1:21
